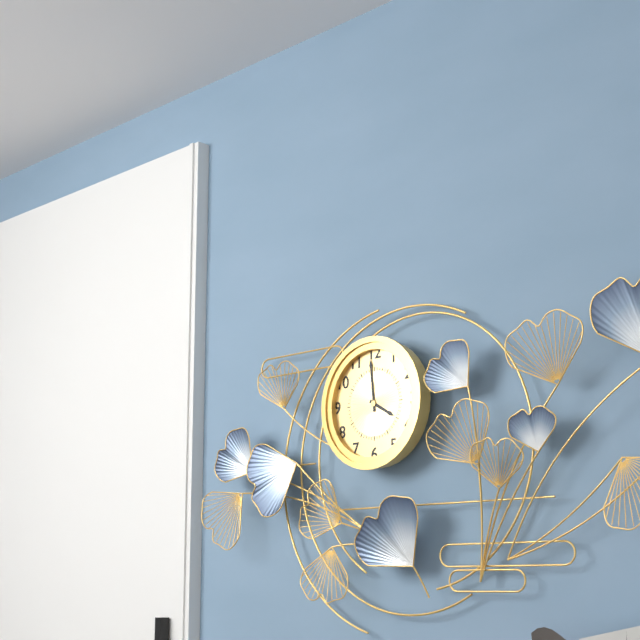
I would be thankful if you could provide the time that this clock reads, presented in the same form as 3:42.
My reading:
3:59
